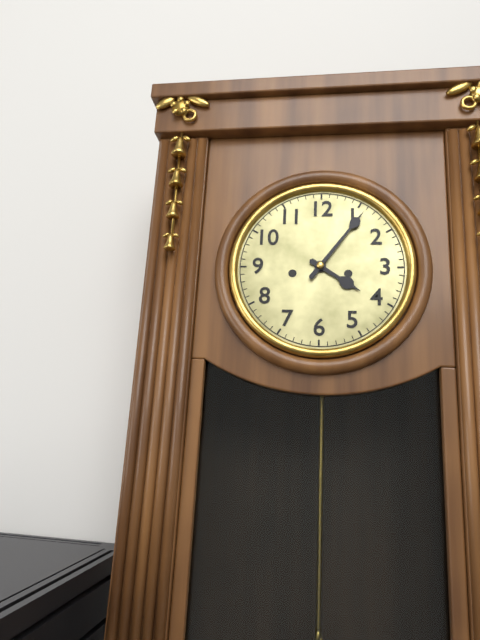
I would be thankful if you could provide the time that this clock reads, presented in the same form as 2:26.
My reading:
4:06
